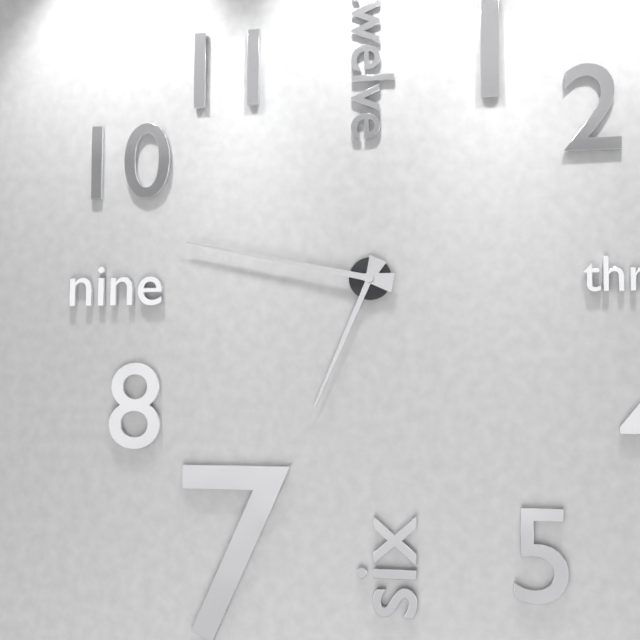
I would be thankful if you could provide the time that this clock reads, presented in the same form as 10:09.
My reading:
6:47
